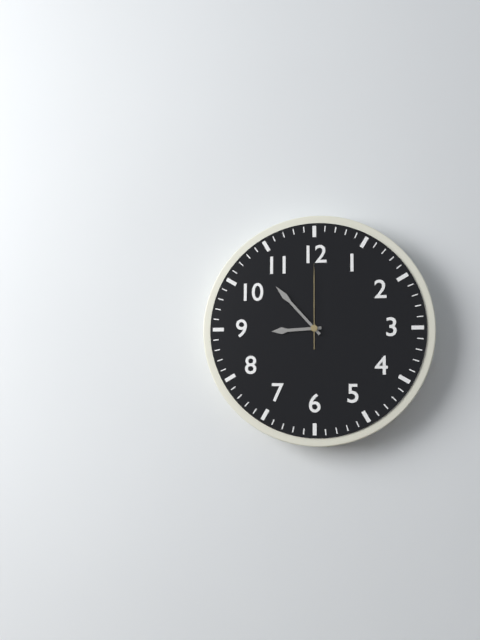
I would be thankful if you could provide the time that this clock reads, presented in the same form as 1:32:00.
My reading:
8:53:00
